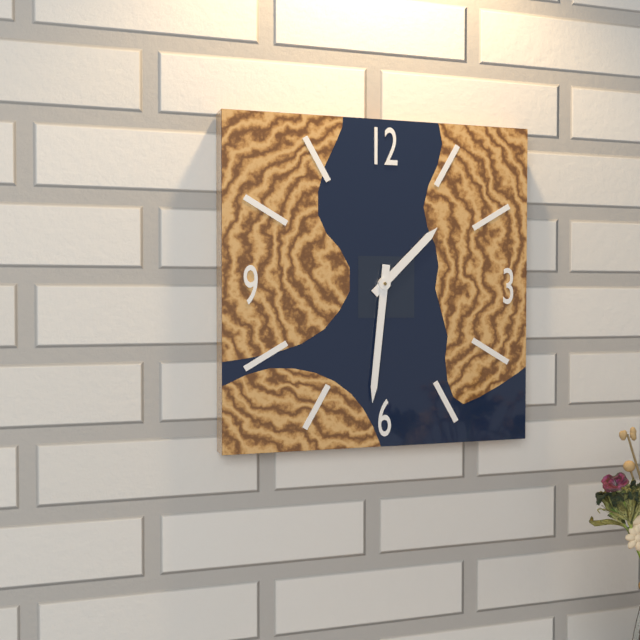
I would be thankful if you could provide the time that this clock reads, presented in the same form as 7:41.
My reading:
1:31
